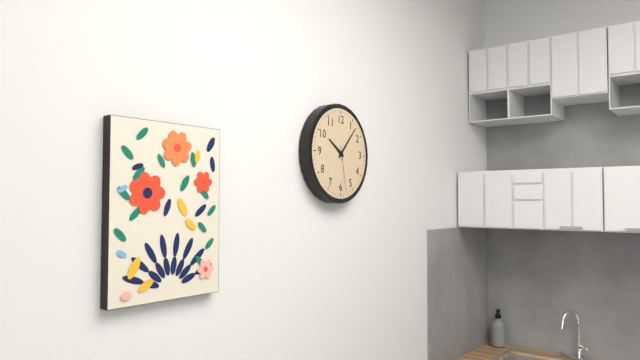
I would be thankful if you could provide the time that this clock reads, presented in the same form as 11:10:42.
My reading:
10:07:28
